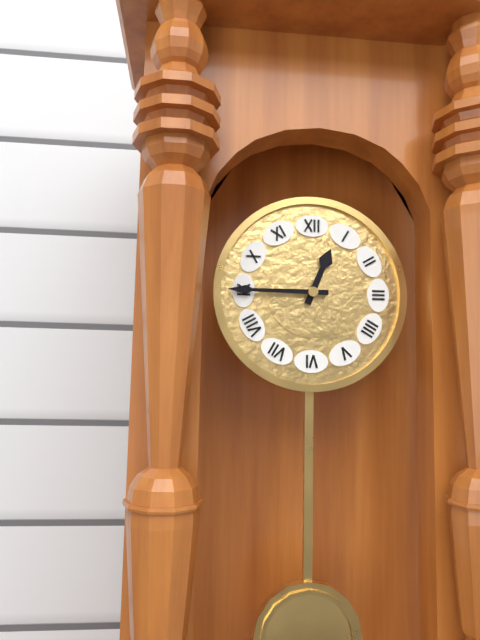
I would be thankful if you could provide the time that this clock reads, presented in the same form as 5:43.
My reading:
12:45
